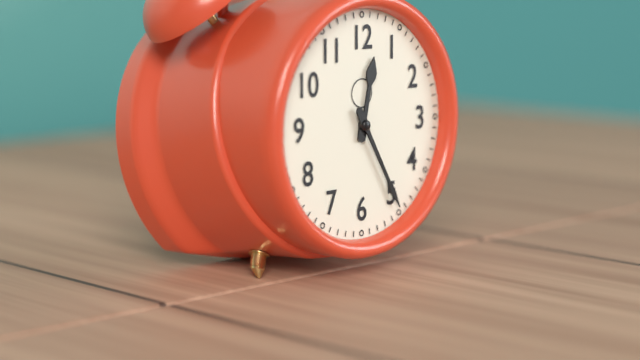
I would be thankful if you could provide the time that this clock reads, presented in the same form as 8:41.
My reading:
12:25
